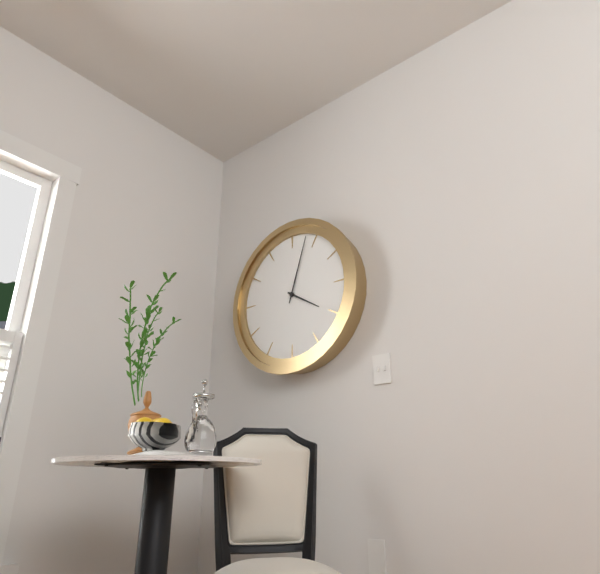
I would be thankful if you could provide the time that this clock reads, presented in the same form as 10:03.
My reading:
4:03
